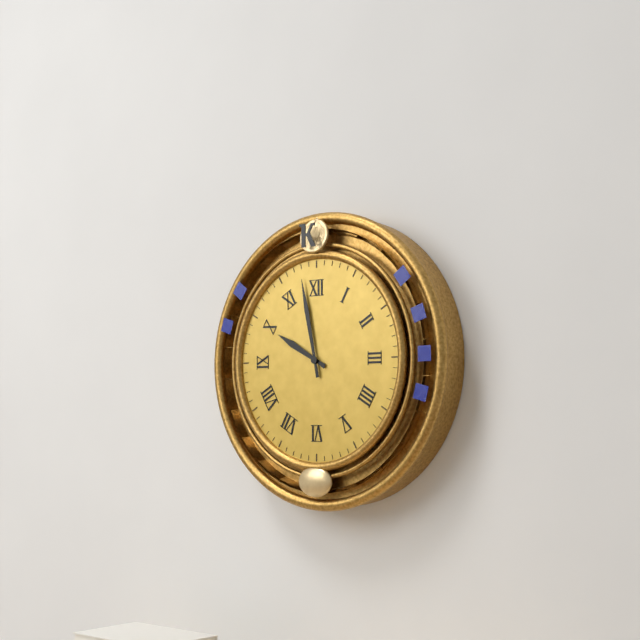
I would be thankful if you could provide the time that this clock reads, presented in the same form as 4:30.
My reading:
9:58
